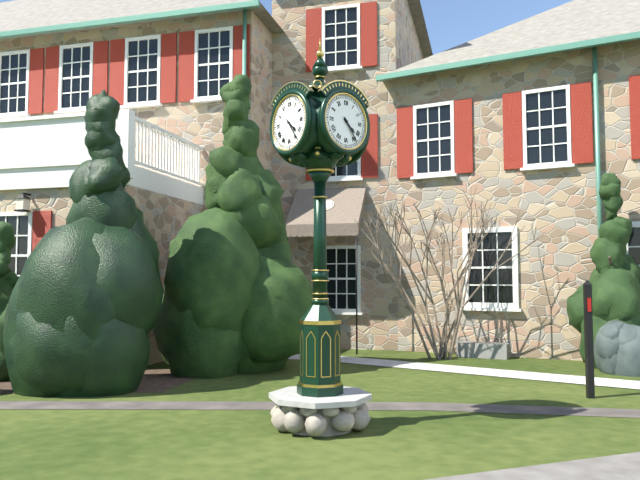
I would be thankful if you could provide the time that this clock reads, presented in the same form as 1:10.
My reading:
4:24
